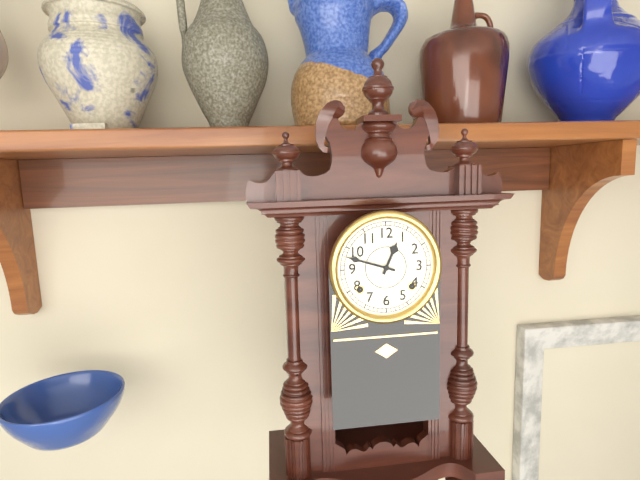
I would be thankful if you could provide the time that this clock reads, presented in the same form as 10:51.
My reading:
12:48
